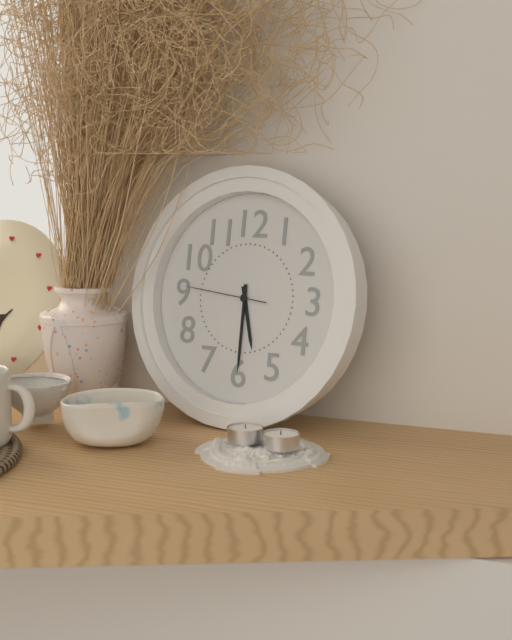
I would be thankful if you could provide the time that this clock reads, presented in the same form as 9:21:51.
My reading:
5:30:46
